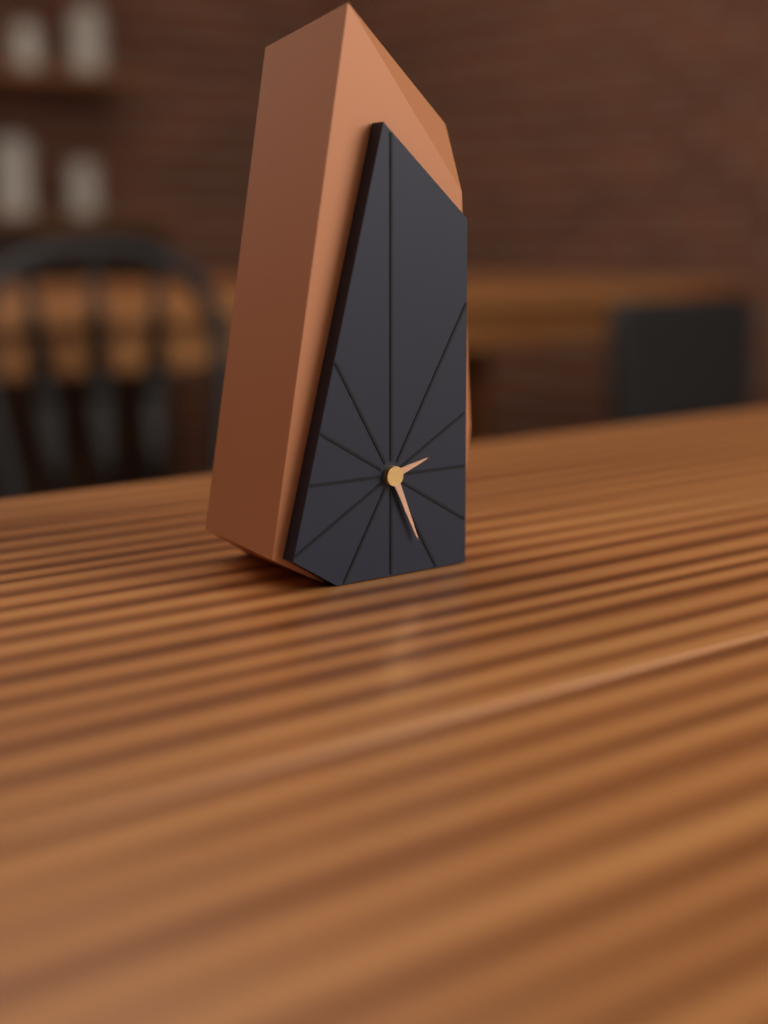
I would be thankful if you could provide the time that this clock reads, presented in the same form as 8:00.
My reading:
2:26
